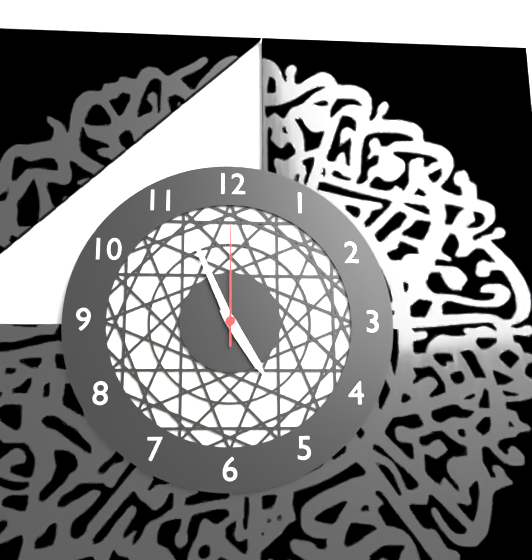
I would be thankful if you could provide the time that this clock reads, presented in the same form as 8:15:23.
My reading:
4:56:00
